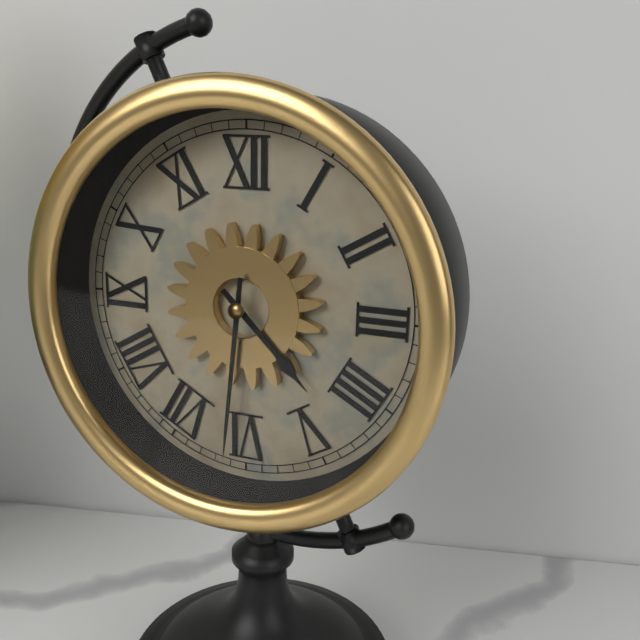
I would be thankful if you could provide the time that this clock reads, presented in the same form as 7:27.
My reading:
4:31
